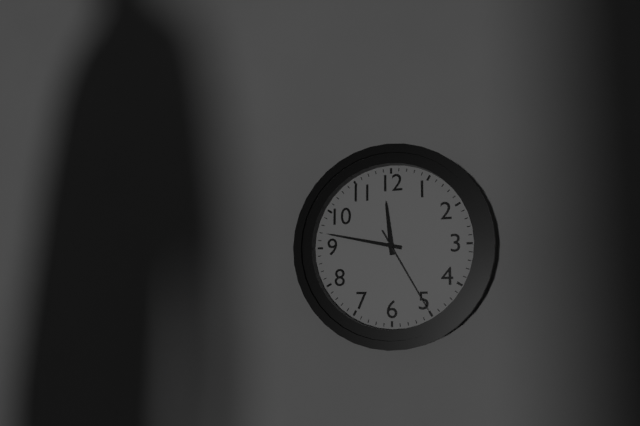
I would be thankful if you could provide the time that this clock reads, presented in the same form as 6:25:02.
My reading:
11:47:25
